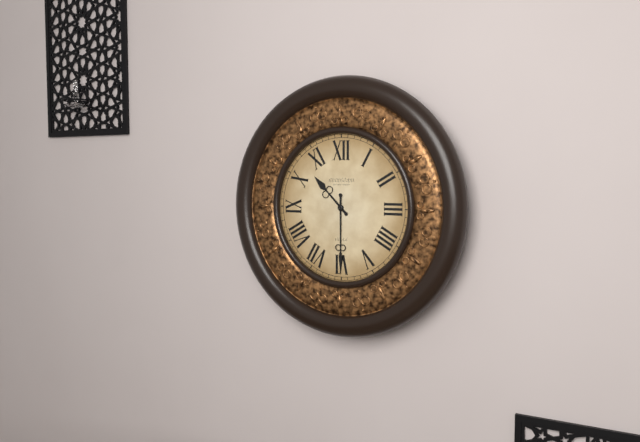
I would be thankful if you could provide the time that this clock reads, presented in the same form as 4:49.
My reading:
10:30
